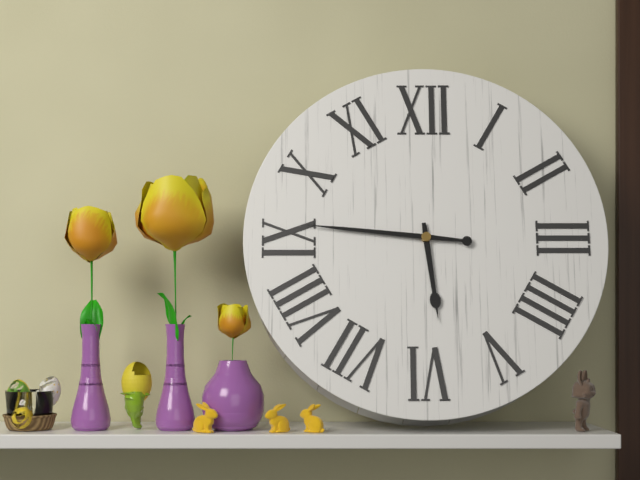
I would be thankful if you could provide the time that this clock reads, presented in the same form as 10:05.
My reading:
5:46
